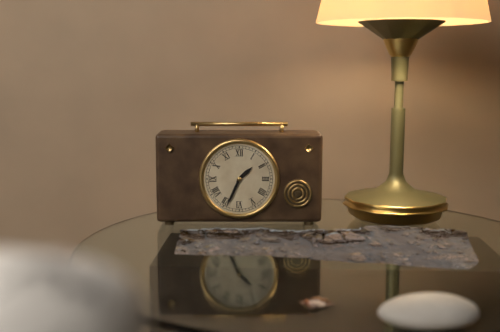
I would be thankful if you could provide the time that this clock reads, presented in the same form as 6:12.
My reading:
1:34
